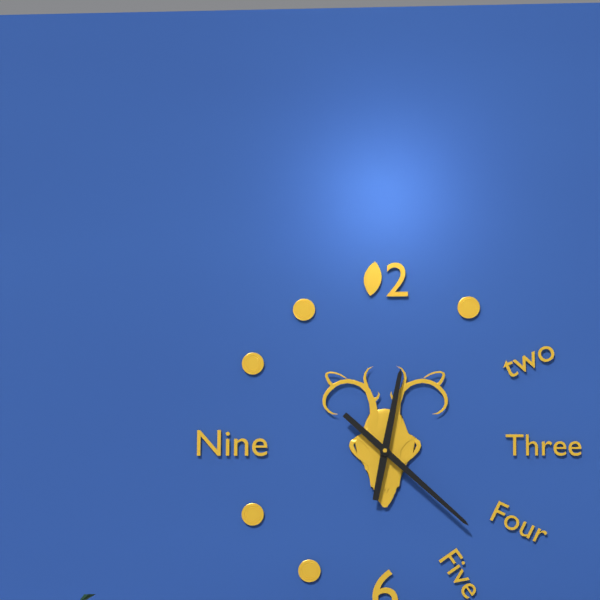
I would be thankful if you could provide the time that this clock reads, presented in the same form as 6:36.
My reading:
12:22
